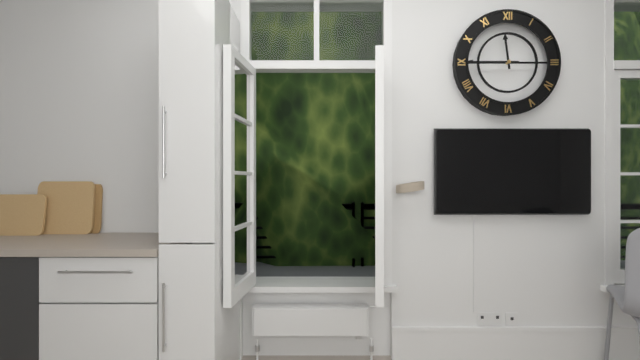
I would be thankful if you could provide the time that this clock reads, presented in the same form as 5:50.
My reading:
11:45
